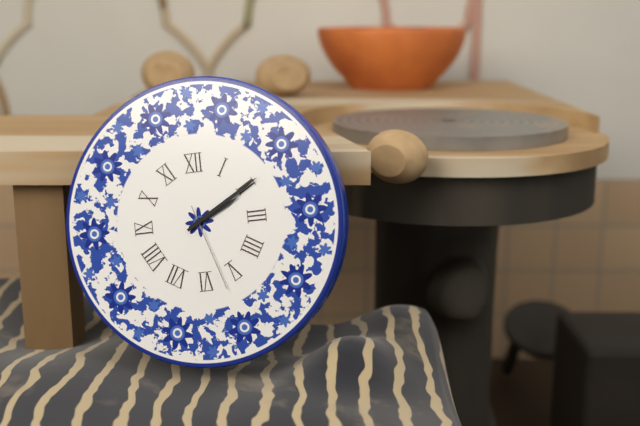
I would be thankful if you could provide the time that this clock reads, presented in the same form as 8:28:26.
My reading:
2:10:27
